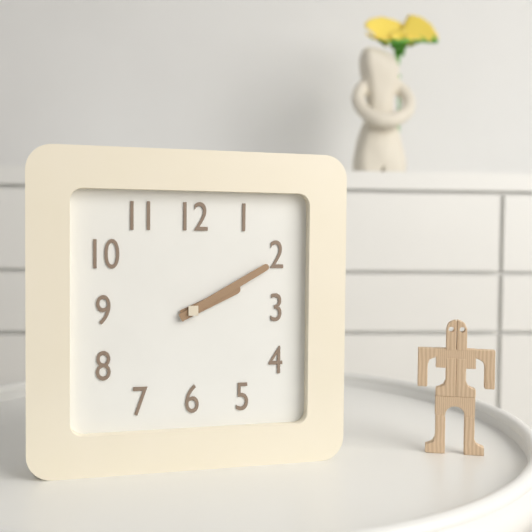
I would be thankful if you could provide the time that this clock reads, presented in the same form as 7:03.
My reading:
2:10
